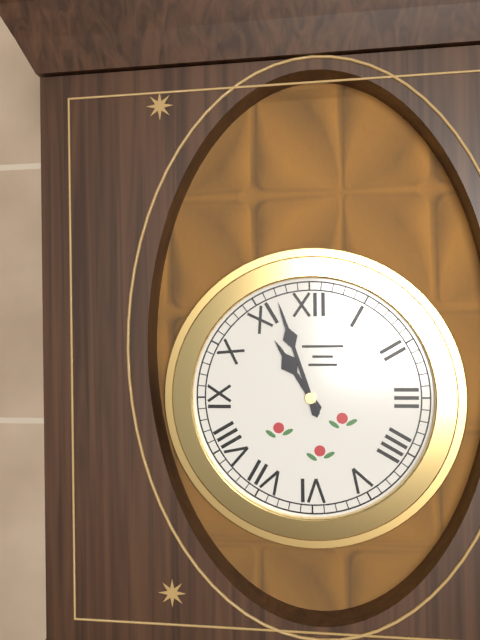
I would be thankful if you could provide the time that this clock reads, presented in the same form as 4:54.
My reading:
10:57
